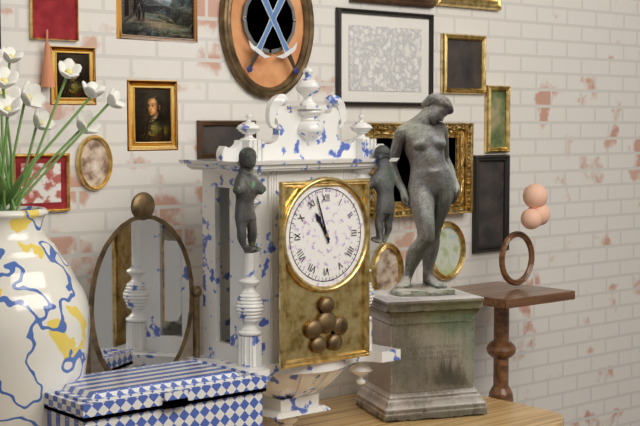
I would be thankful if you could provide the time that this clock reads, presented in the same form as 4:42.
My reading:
10:57
